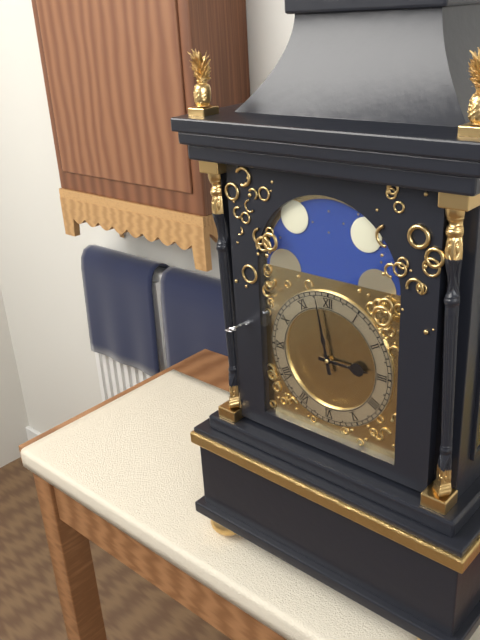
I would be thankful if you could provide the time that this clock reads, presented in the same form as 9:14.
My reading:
2:58
